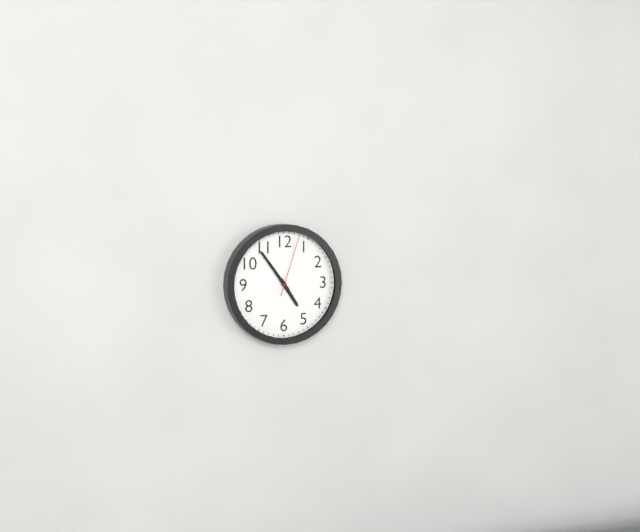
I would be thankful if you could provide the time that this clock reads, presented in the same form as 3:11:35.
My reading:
4:54:03
